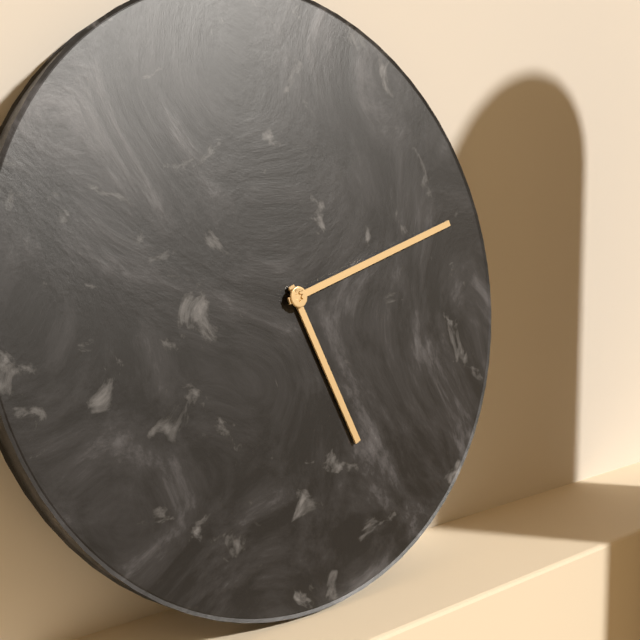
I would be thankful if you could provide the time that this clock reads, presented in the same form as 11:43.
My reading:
5:12
